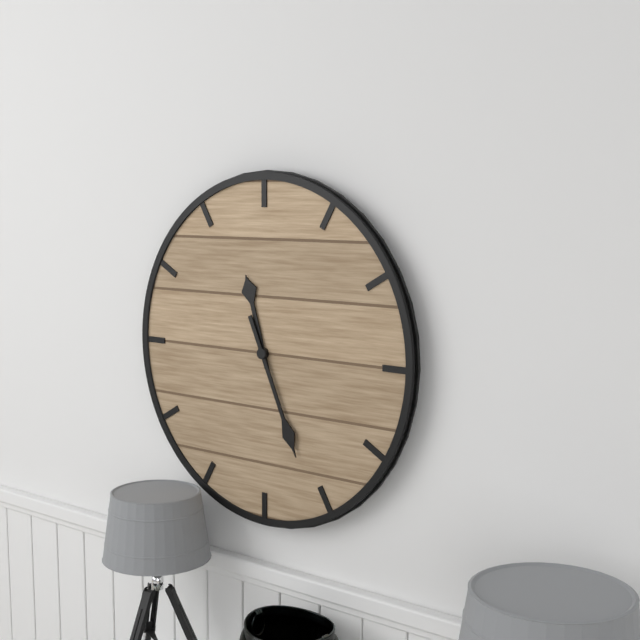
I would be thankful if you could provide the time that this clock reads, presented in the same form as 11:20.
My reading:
11:26
